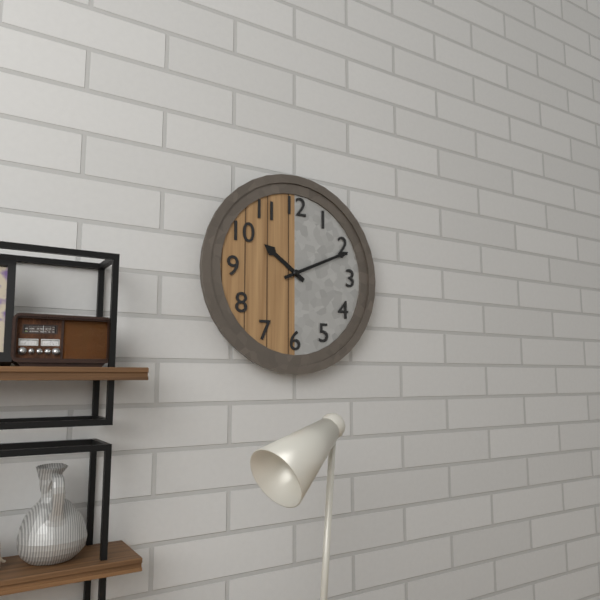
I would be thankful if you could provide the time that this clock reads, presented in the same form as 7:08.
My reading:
10:11
